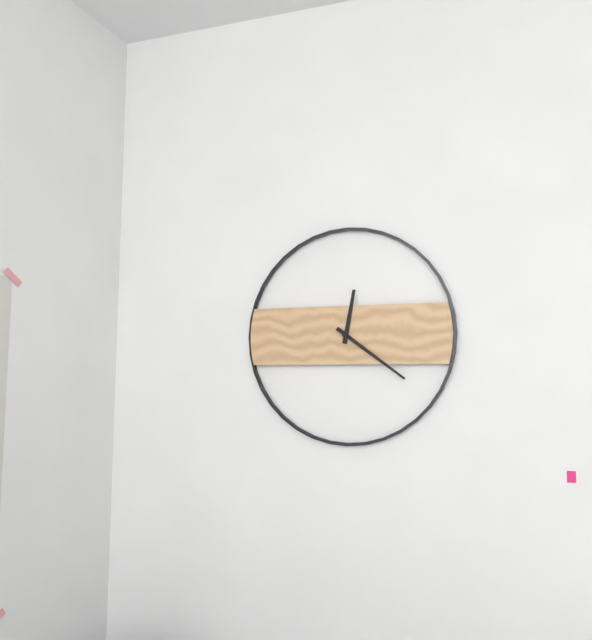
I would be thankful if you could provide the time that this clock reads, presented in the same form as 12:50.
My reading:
12:21
